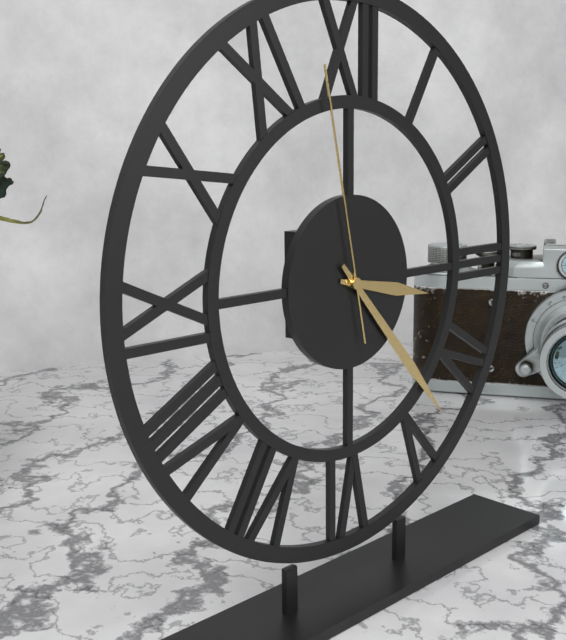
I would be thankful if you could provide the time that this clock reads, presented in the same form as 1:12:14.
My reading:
3:23:58
